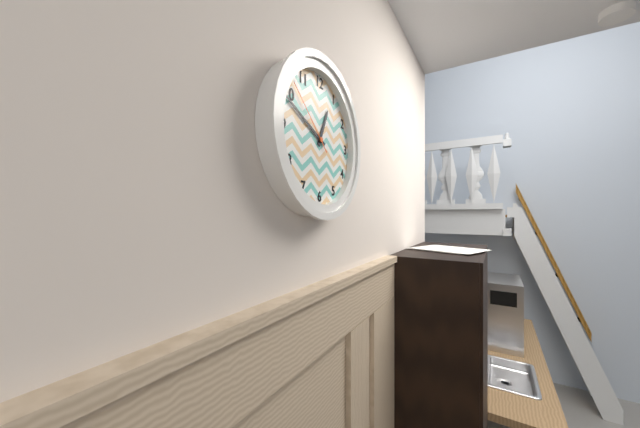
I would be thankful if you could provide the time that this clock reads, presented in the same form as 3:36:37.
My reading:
12:49:52
